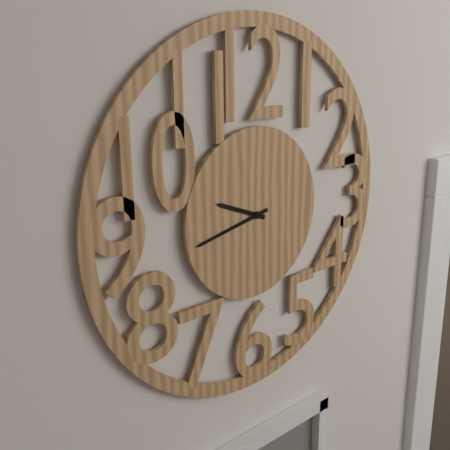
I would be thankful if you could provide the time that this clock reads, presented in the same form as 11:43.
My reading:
9:43
